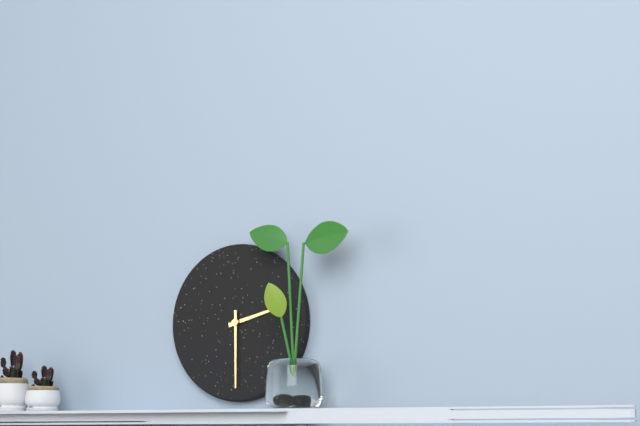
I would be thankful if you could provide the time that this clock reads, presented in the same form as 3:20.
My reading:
2:30
